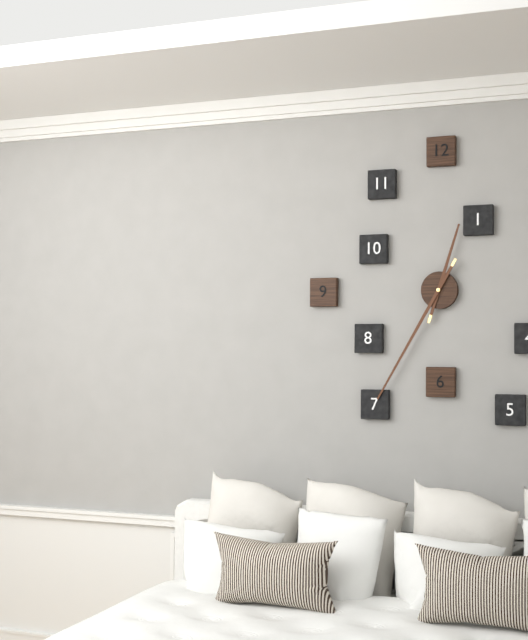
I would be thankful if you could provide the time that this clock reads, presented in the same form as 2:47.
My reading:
12:35
